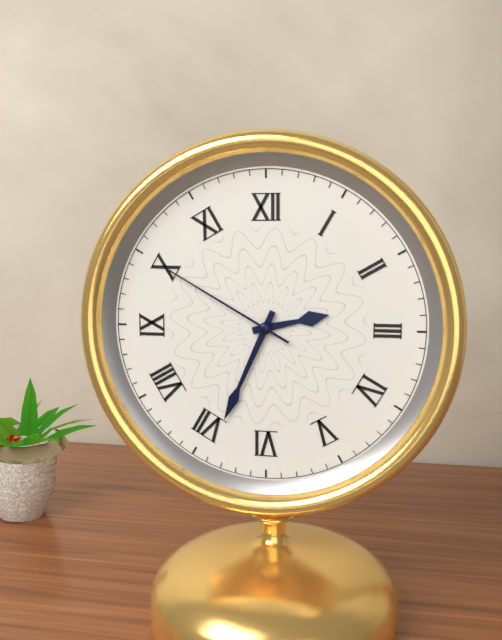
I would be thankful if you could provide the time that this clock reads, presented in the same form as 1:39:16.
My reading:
2:34:50
